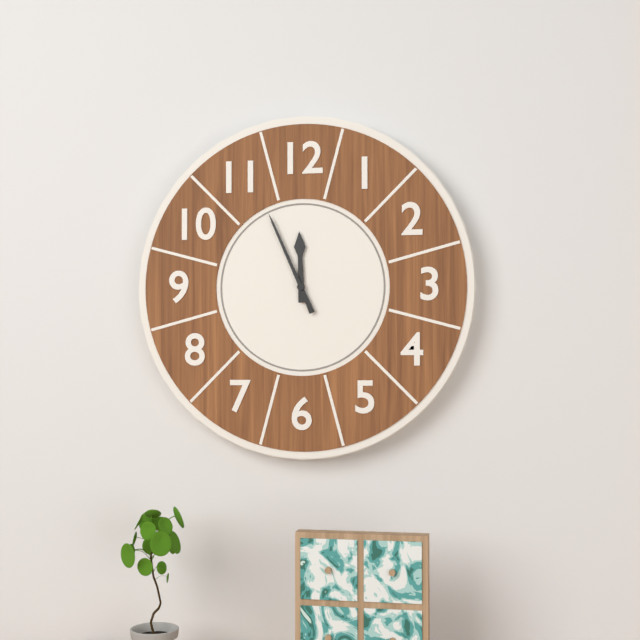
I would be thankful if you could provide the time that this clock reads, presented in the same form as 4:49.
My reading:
11:56
